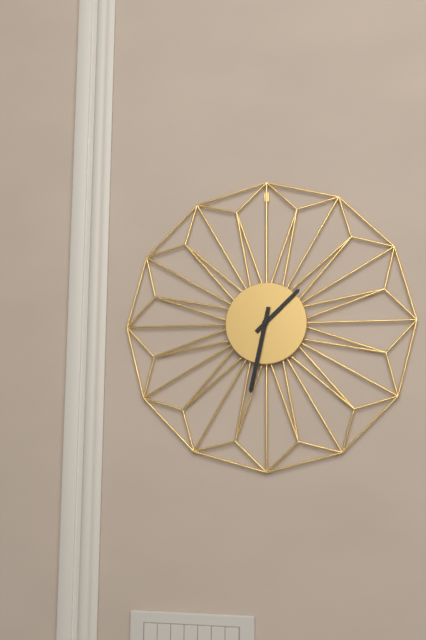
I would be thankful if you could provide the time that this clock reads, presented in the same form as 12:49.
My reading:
1:32
